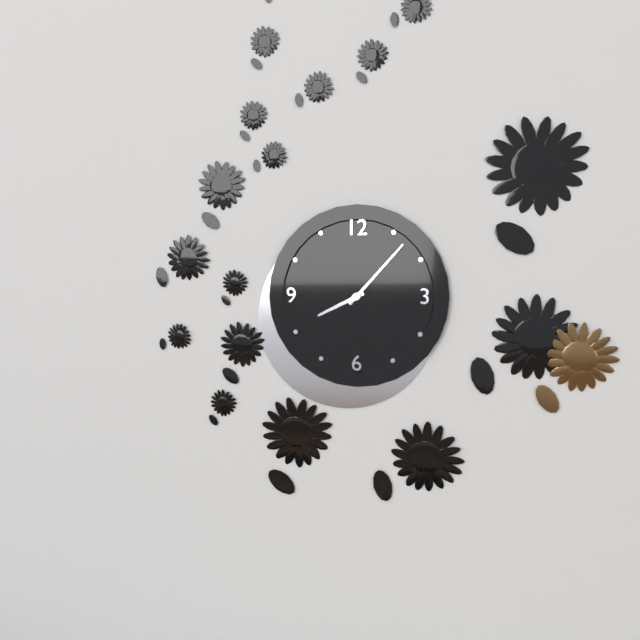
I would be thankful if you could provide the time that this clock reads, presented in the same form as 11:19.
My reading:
8:07
